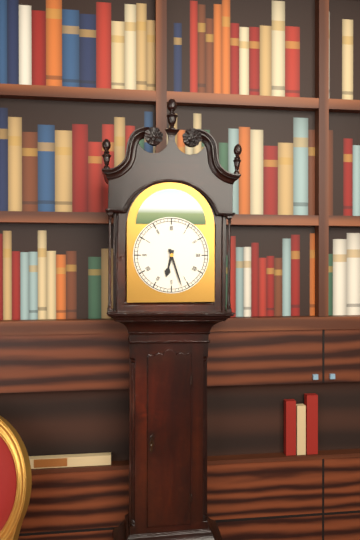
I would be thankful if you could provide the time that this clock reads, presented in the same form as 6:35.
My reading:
6:27
